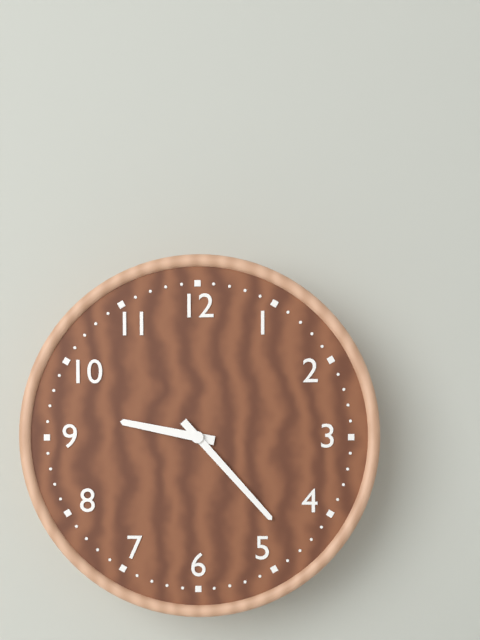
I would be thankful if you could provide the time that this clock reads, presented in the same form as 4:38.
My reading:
9:23
